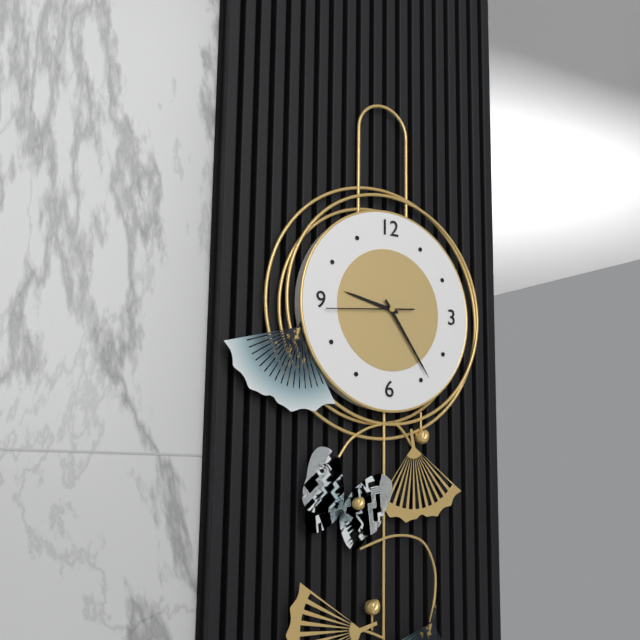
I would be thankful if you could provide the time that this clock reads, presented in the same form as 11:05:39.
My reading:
9:24:44
